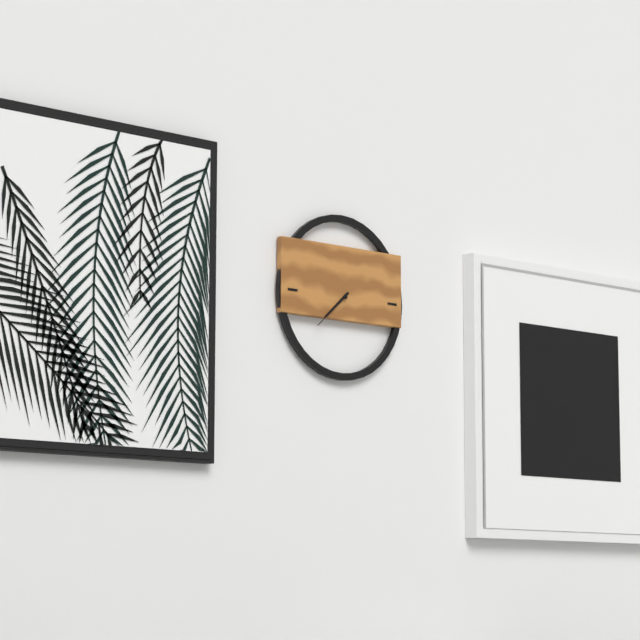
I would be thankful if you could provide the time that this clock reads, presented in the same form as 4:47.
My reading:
7:38
